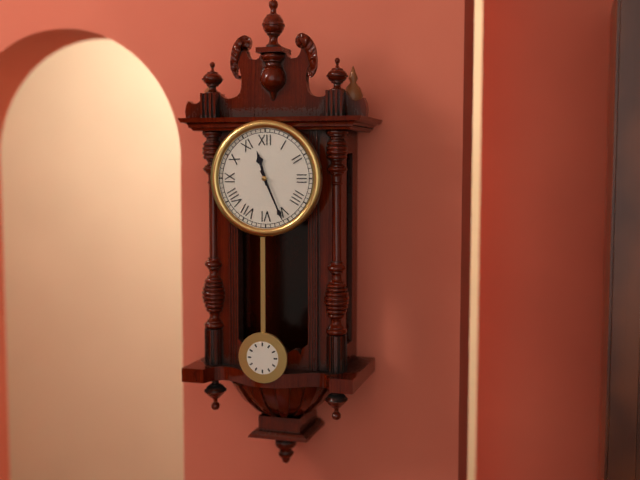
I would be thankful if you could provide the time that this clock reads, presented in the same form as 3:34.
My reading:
11:26
